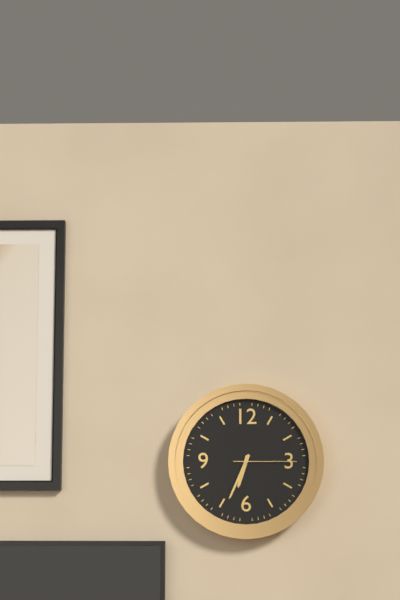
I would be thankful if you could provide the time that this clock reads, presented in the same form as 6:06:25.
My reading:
6:34:15
